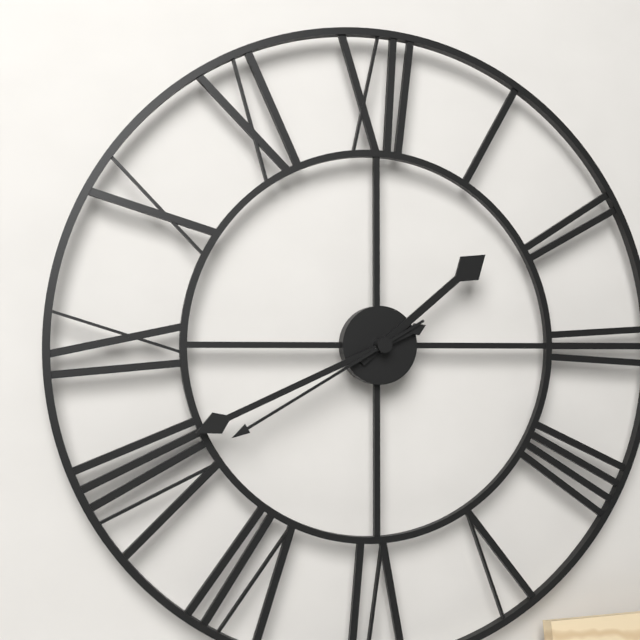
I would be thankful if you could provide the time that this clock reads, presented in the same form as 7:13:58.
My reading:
1:41:40
